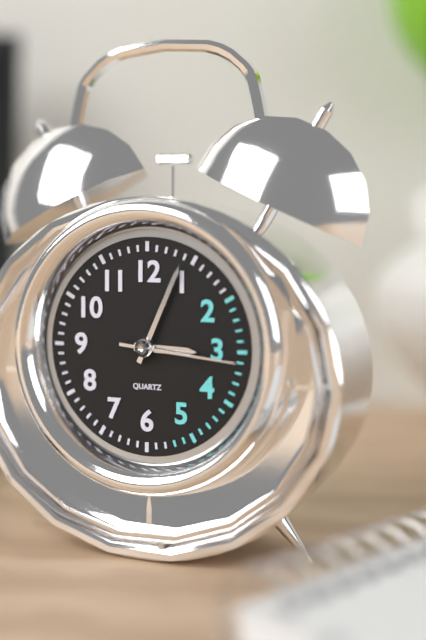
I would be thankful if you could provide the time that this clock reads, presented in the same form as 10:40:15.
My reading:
3:04:16
